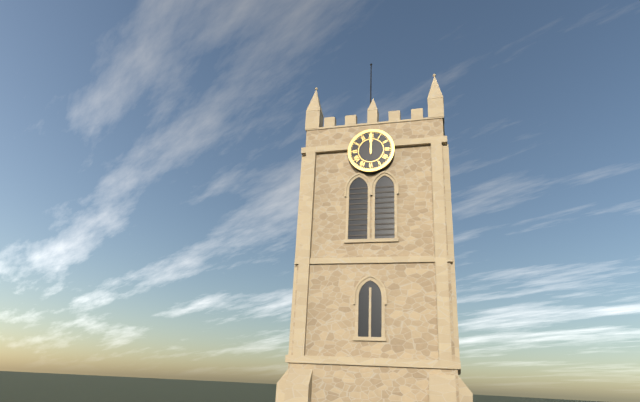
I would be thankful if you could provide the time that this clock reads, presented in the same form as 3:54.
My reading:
12:00
